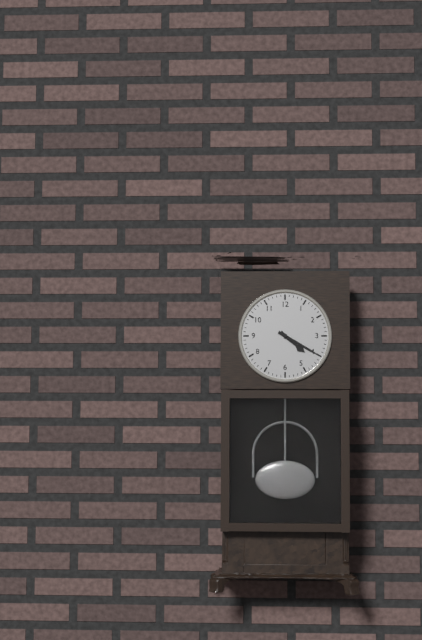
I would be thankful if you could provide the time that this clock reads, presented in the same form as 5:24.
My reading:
4:20
